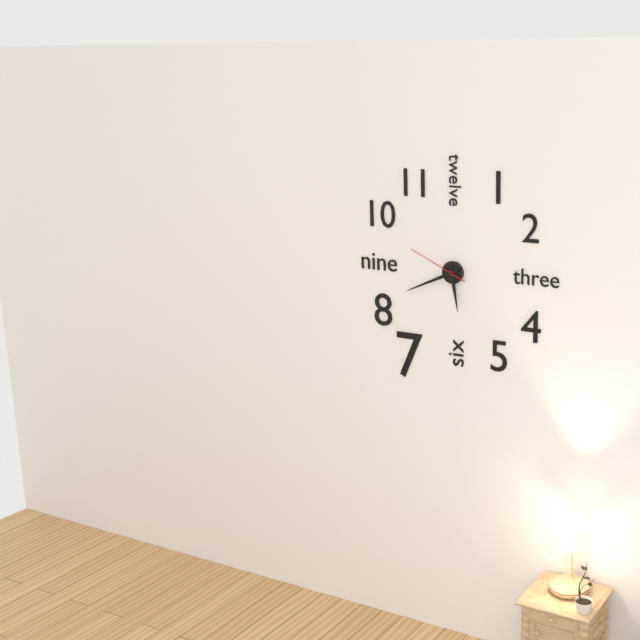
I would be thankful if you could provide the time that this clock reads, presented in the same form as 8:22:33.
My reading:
5:41:49
